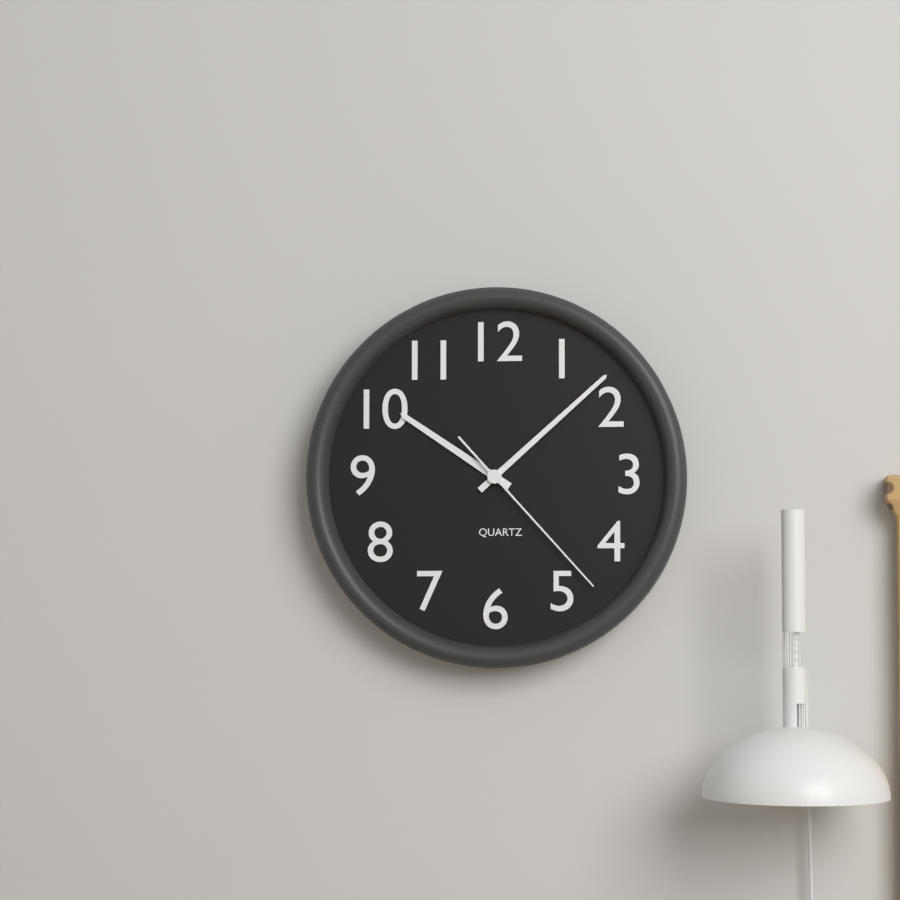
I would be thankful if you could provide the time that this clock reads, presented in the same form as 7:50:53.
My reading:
10:08:23
